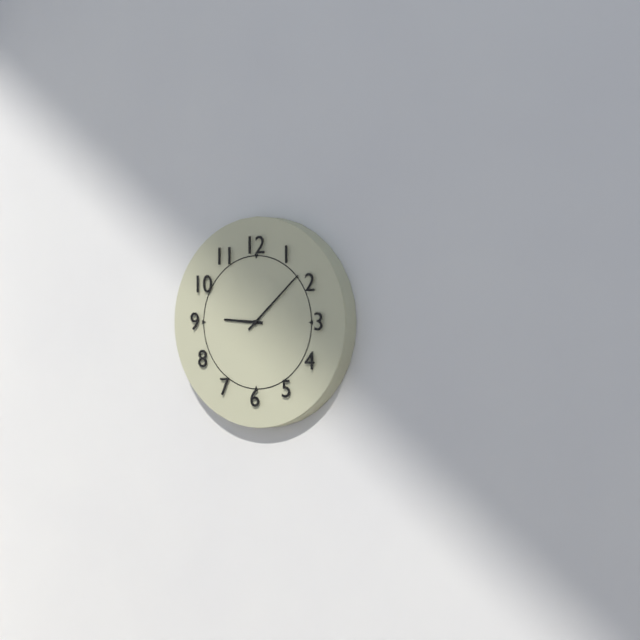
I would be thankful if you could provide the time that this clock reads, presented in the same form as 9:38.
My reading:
9:08
